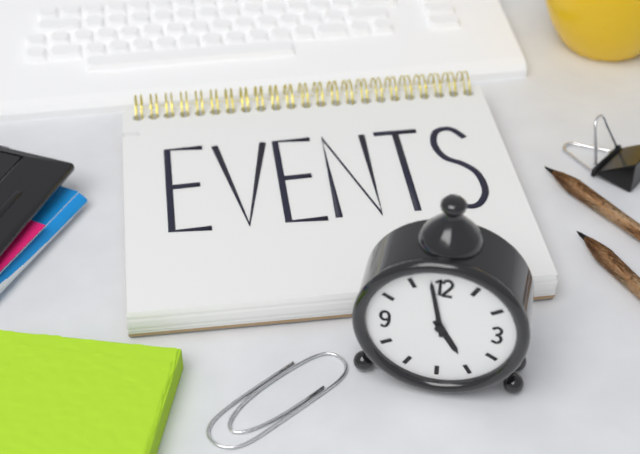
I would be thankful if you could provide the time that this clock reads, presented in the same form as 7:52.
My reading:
4:58
